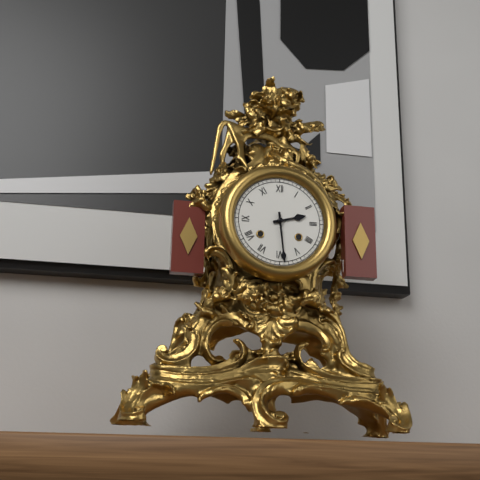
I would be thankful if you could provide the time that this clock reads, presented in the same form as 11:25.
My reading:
2:29
